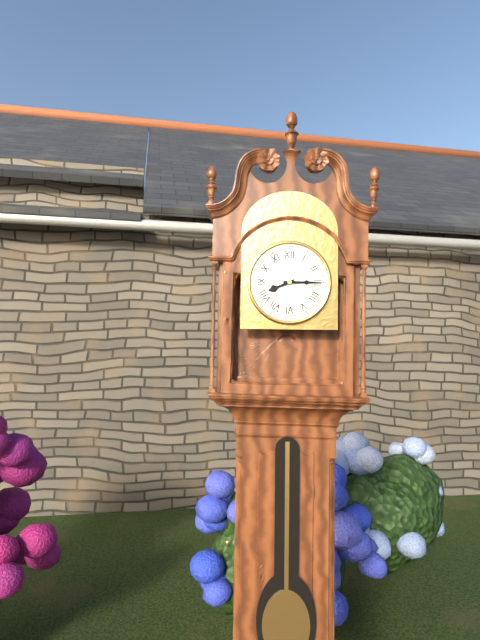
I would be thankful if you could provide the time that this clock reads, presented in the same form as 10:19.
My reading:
8:15
